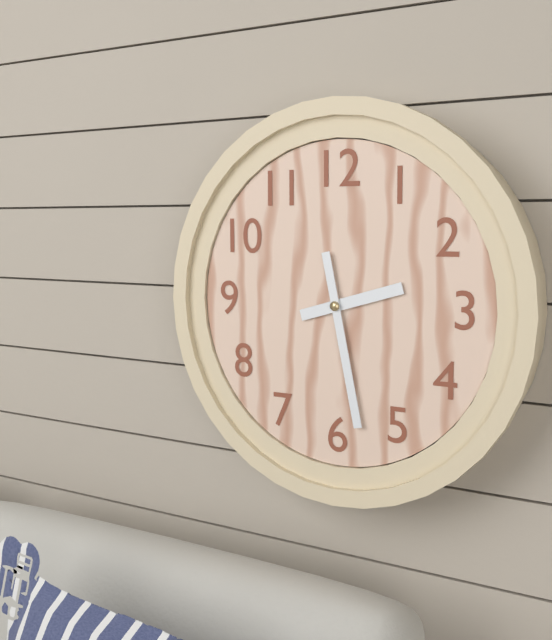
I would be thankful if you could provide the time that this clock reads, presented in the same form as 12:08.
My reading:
2:28
